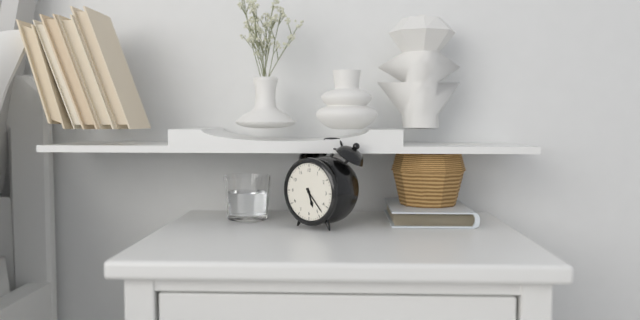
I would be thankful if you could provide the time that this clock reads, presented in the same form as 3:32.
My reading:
5:23
